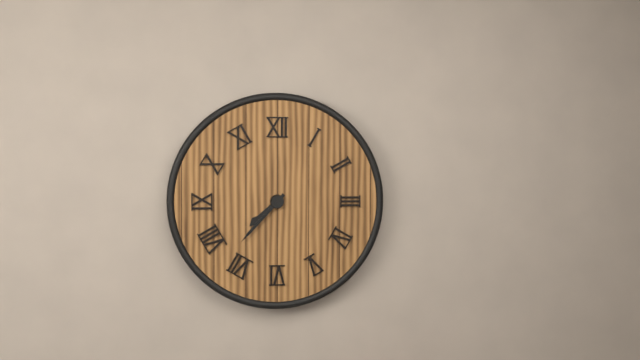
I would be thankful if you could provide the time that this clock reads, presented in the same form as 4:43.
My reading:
7:37
